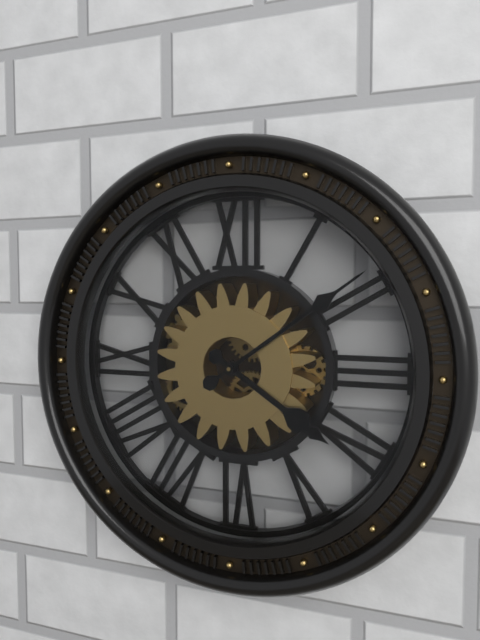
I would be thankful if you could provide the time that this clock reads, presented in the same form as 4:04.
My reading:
4:09
